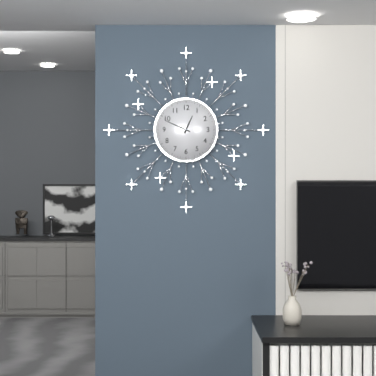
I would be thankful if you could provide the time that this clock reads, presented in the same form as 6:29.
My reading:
12:49
